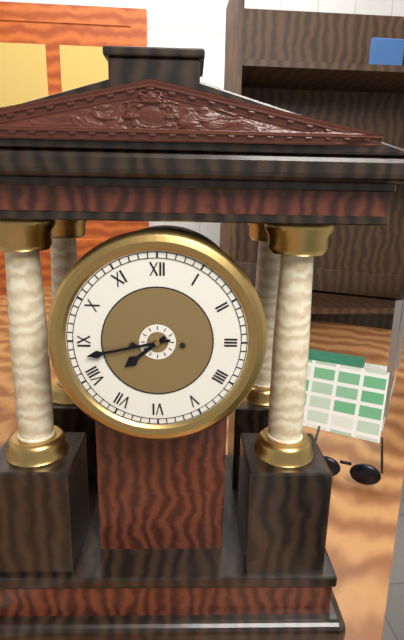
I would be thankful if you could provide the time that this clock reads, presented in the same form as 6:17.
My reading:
7:43
